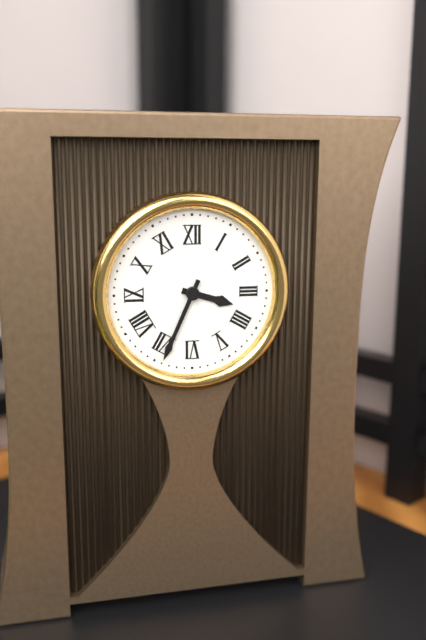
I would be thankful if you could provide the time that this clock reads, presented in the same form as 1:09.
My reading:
3:34
